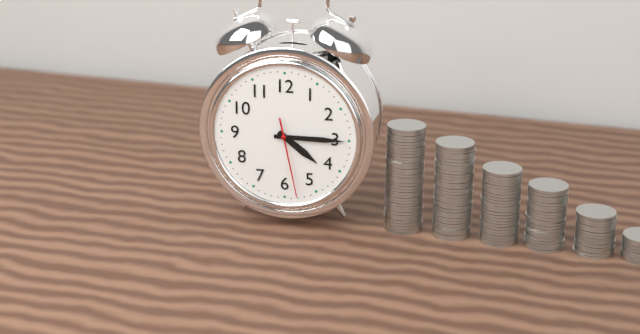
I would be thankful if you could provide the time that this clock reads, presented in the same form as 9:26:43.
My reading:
4:15:28
